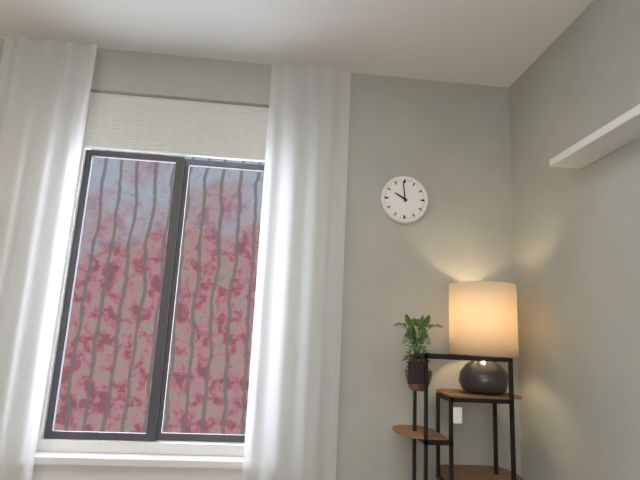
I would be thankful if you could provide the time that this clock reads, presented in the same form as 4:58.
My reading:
9:59
